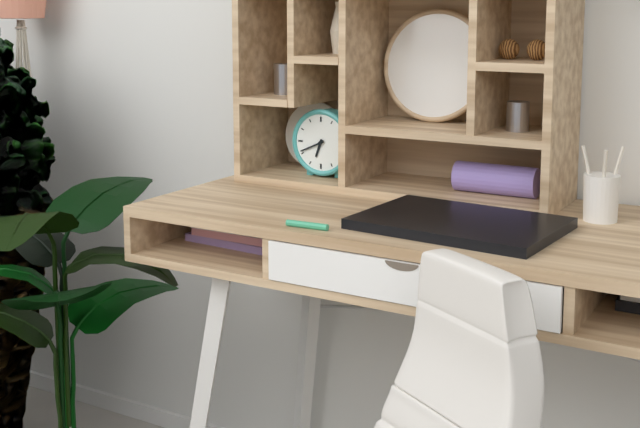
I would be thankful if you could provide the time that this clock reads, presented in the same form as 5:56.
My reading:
6:41
